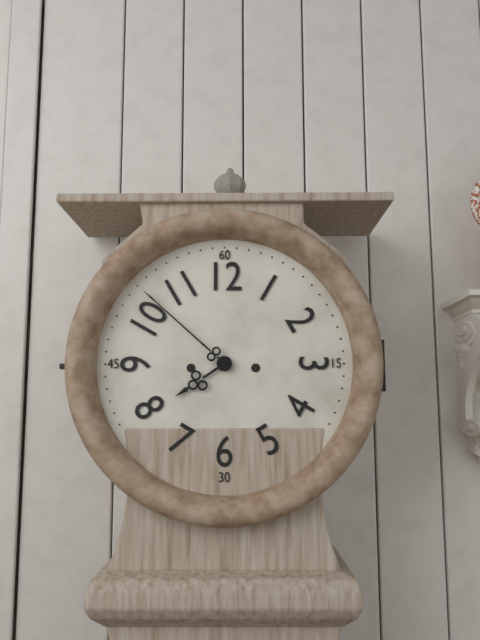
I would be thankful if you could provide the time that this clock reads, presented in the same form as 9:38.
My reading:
7:52
